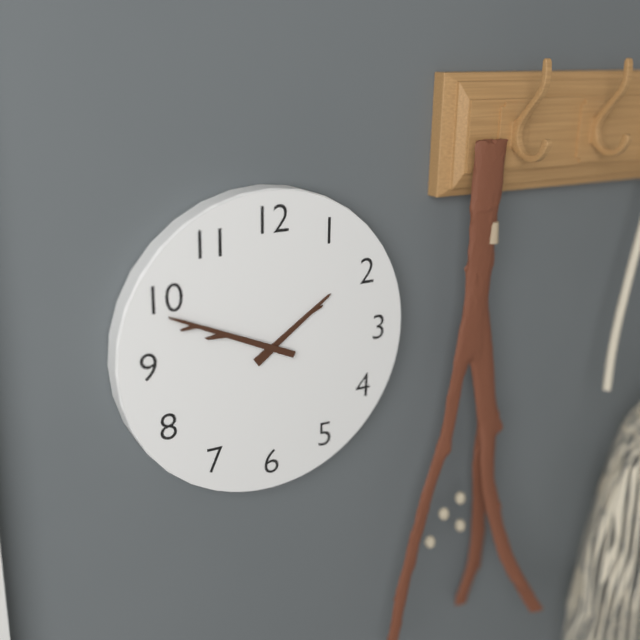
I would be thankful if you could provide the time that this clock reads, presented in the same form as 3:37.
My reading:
1:49
